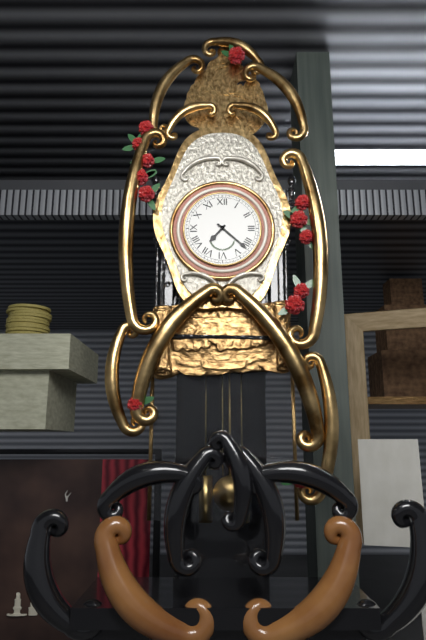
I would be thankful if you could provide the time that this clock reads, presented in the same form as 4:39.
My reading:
7:22
